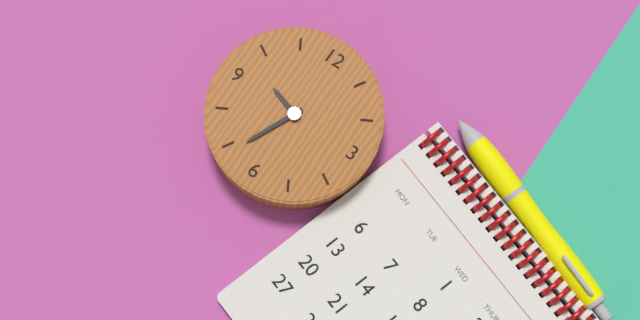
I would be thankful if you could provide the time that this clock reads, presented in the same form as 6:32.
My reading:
9:34
